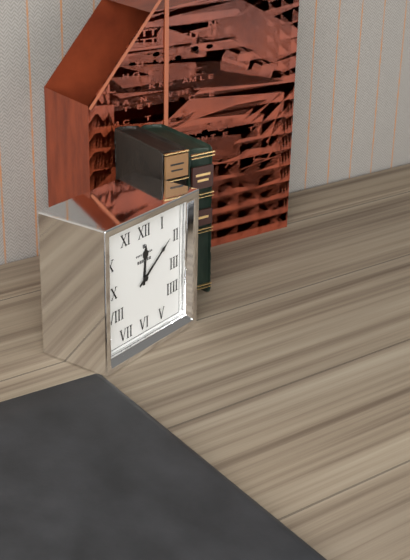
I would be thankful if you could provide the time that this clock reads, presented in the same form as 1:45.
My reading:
12:09
